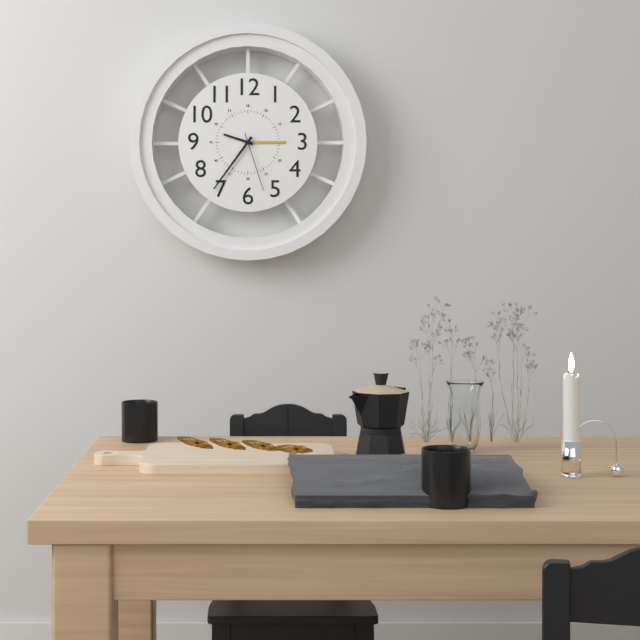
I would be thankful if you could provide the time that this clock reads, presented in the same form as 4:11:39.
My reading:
9:36:27
